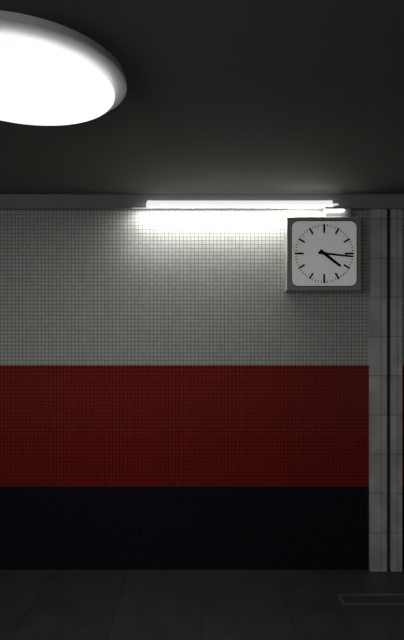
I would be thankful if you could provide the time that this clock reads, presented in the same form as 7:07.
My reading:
4:16
